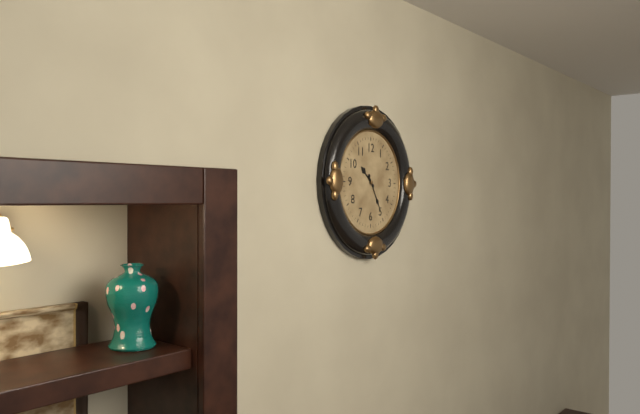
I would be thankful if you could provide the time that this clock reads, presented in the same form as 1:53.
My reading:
10:25
